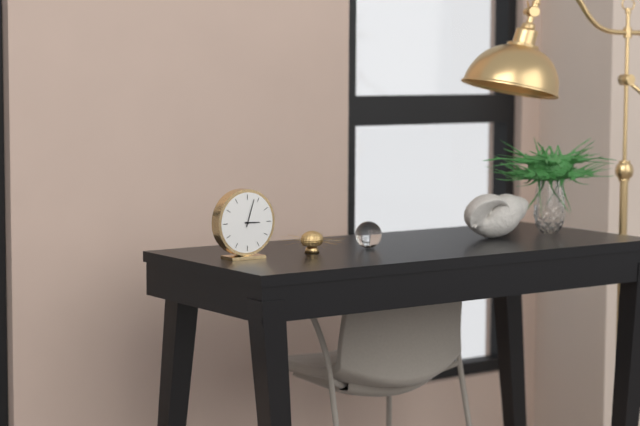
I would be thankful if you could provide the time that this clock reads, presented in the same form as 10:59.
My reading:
3:03
